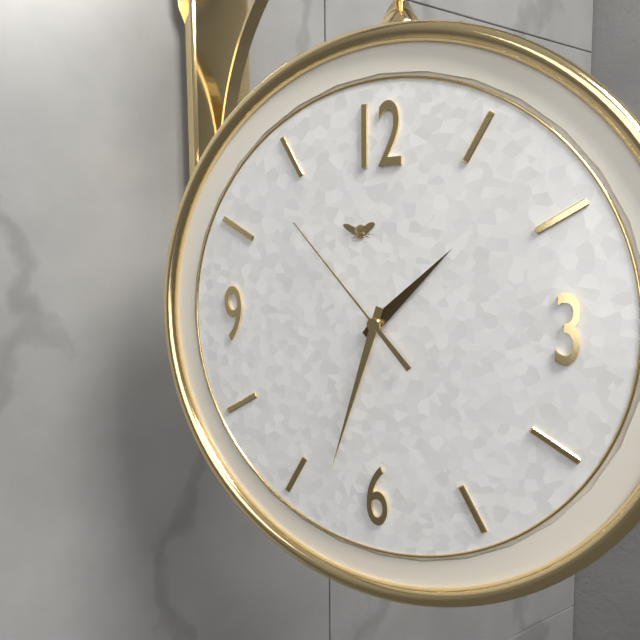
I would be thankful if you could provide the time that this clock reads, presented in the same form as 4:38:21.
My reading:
1:33:53
